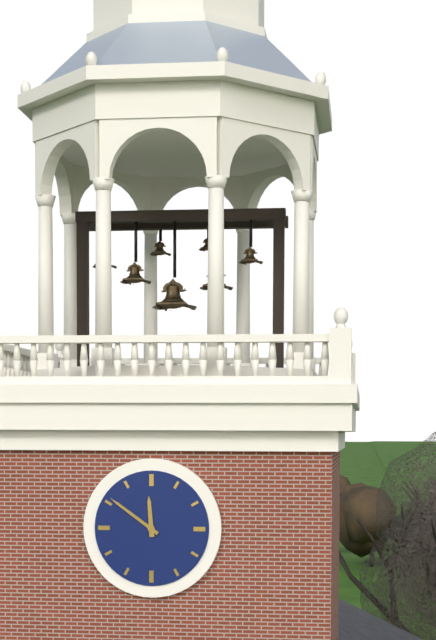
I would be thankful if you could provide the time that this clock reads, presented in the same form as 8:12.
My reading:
11:51
